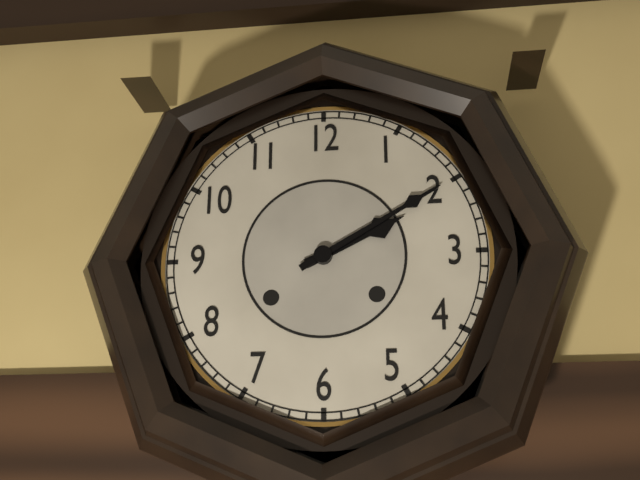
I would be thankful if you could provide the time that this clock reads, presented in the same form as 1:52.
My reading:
2:10
